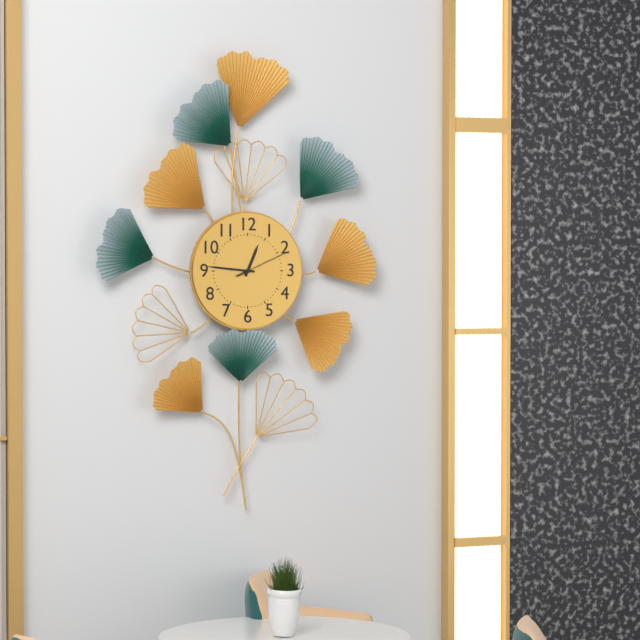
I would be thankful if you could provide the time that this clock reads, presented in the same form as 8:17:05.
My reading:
12:46:11
